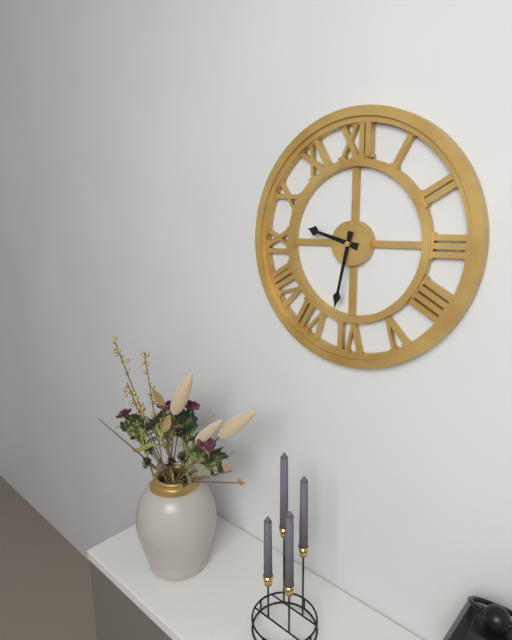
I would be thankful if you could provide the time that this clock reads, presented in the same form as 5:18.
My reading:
9:32
